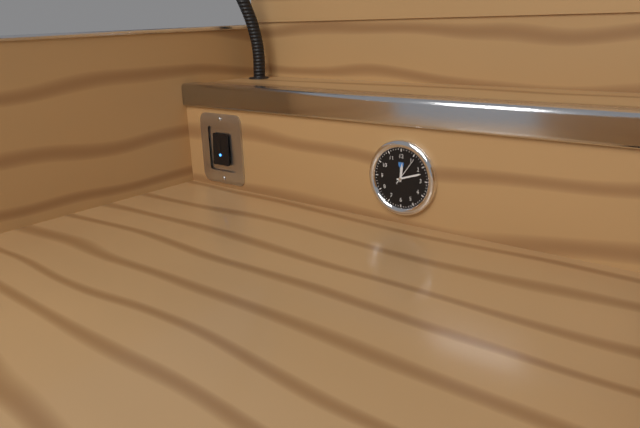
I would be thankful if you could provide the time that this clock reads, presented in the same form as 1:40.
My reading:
12:12
